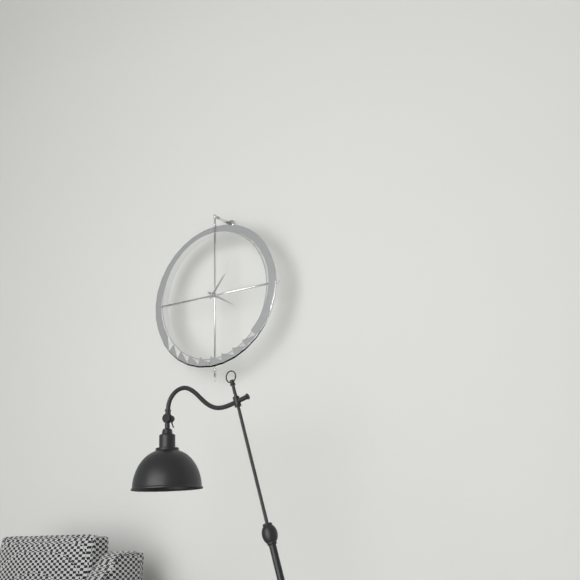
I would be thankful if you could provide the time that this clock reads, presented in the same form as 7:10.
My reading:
1:20
